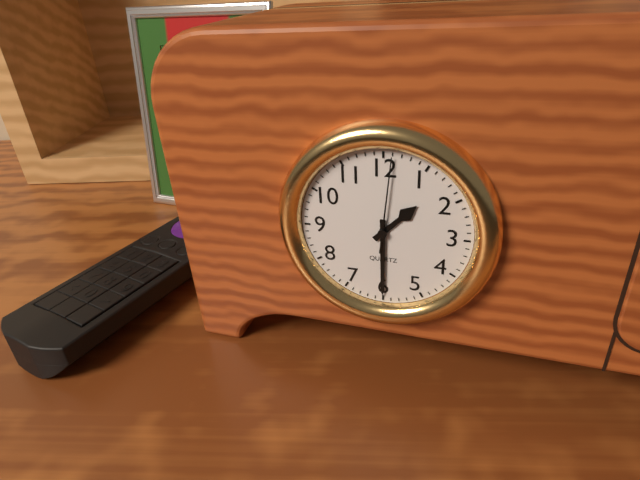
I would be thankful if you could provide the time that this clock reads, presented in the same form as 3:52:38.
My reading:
1:30:01
